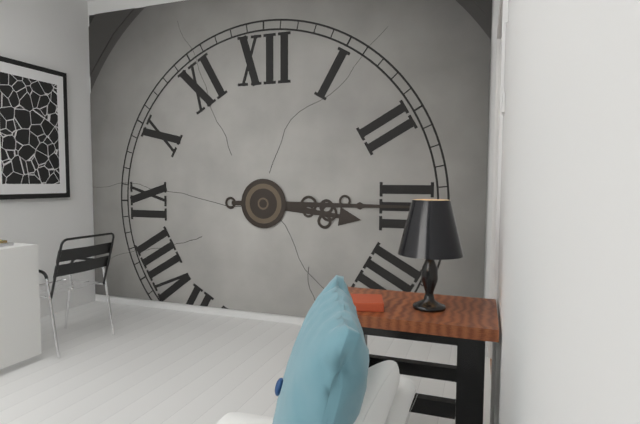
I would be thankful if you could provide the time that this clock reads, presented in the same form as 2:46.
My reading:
3:15
